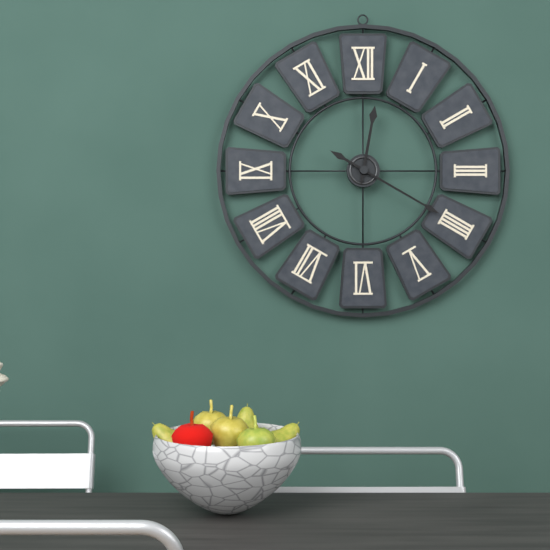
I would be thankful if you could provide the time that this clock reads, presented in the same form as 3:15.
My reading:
12:20
